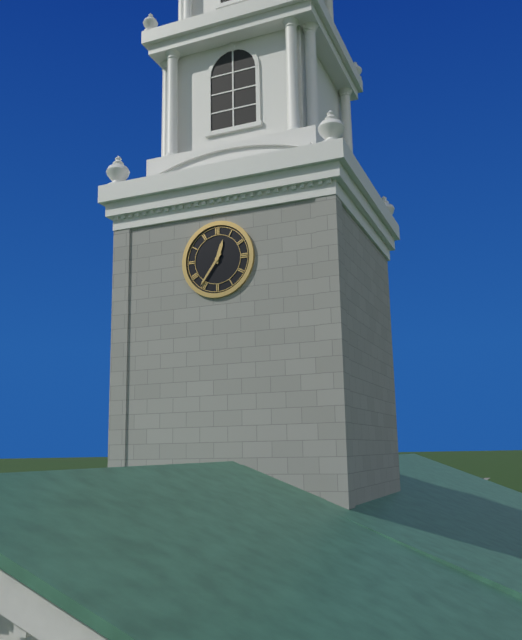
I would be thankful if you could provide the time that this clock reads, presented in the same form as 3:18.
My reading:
12:36
